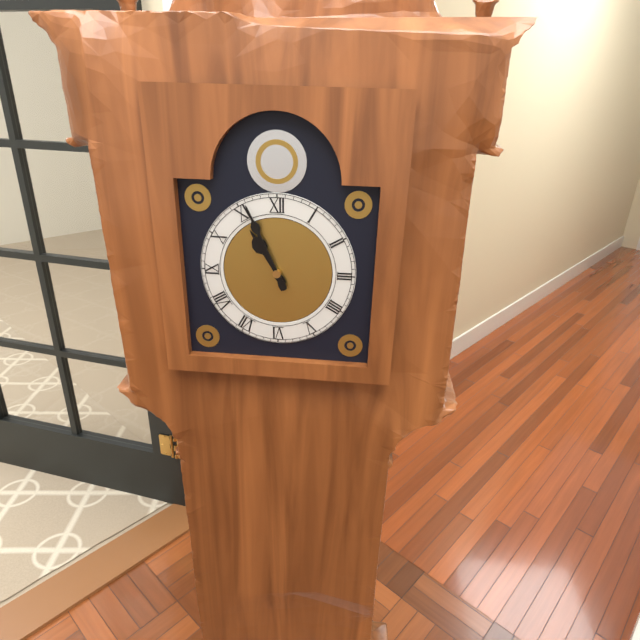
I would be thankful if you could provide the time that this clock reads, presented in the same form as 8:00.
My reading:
10:56
